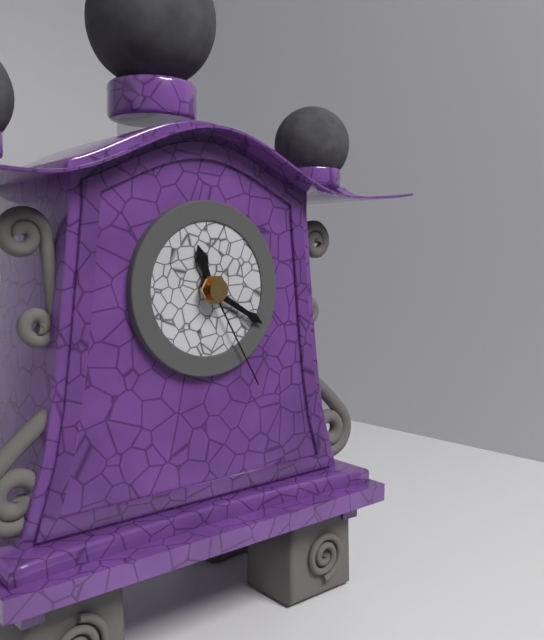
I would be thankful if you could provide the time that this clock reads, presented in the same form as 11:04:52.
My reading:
11:20:25
